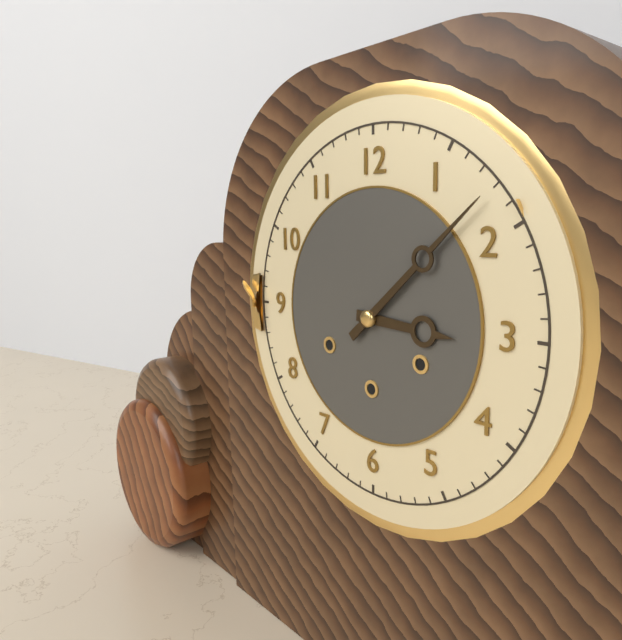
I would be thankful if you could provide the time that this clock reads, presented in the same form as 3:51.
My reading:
3:08
